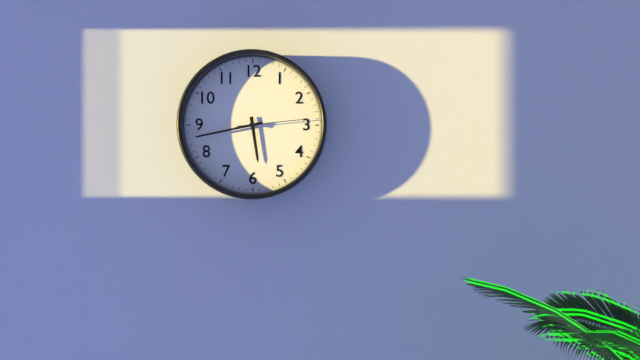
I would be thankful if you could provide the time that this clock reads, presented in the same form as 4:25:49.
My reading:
5:43:14
